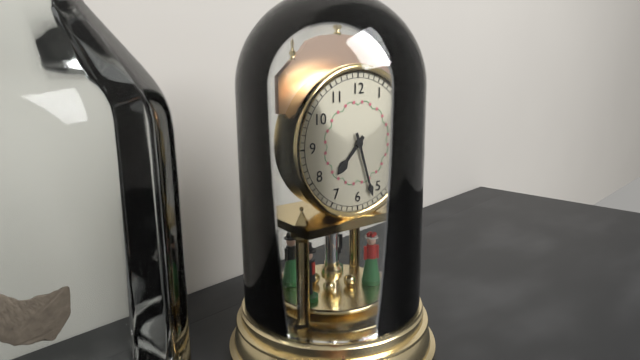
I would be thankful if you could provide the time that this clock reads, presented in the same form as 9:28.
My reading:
7:27
